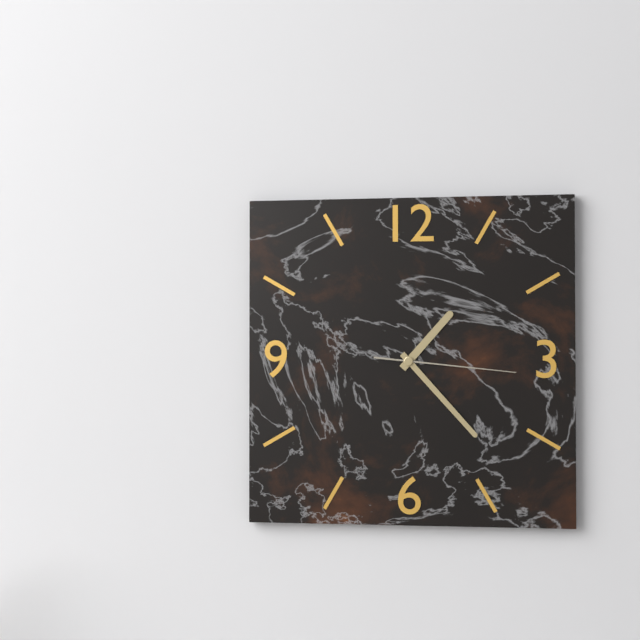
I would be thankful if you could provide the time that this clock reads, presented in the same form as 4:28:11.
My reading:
1:23:16
